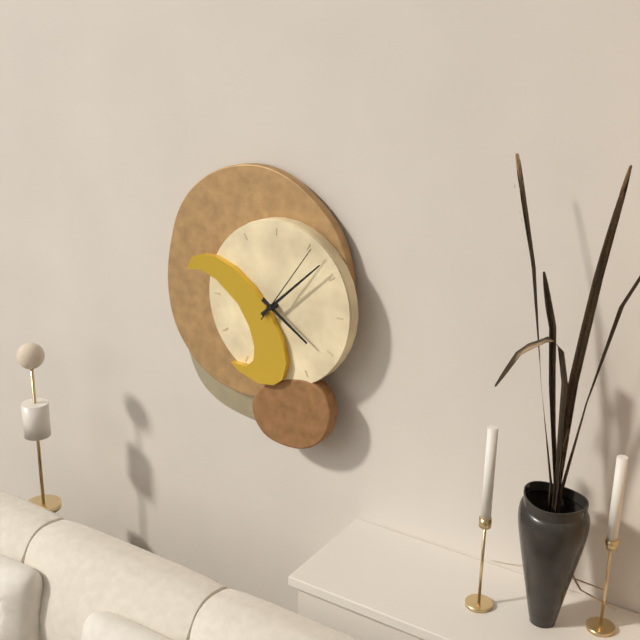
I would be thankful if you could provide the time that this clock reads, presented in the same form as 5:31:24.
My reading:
4:08:06
